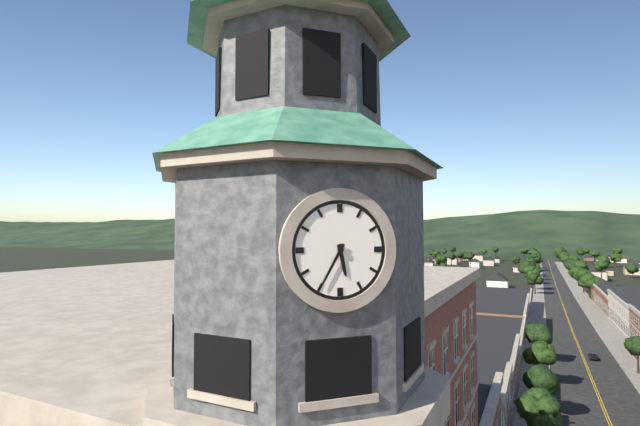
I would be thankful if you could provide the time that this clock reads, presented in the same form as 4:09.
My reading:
5:35
